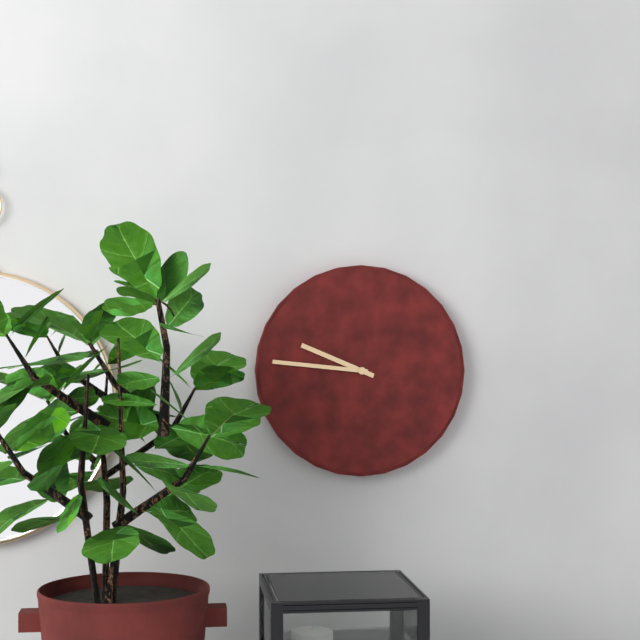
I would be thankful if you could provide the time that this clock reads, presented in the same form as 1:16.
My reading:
9:46
